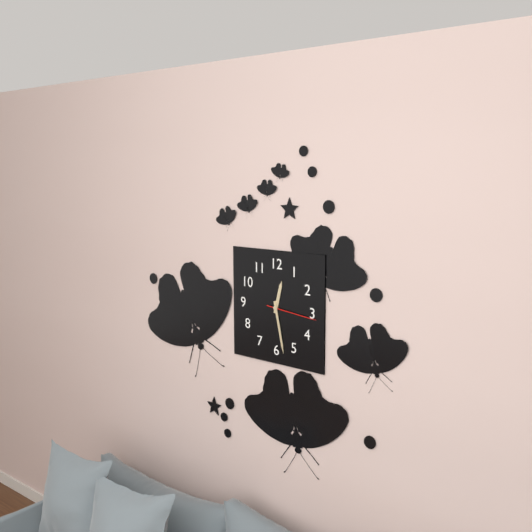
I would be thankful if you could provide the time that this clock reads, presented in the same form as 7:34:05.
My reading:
12:28:16
